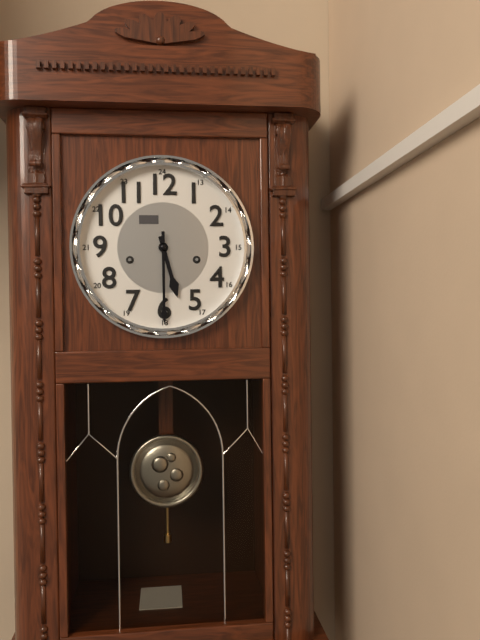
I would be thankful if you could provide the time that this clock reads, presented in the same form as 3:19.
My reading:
5:30
